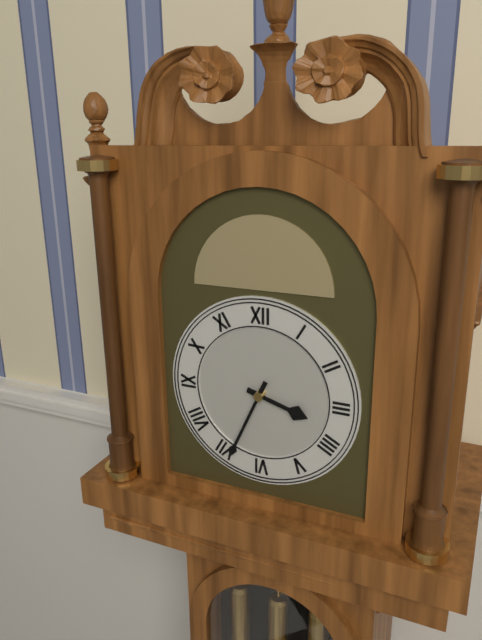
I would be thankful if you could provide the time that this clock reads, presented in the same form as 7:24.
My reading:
3:34
